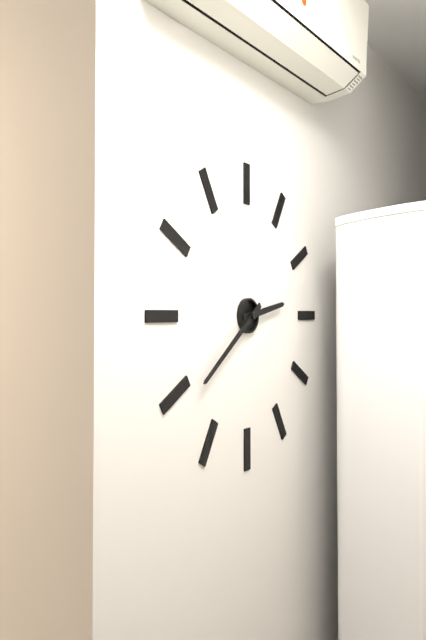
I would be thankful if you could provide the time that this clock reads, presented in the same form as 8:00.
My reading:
2:39
